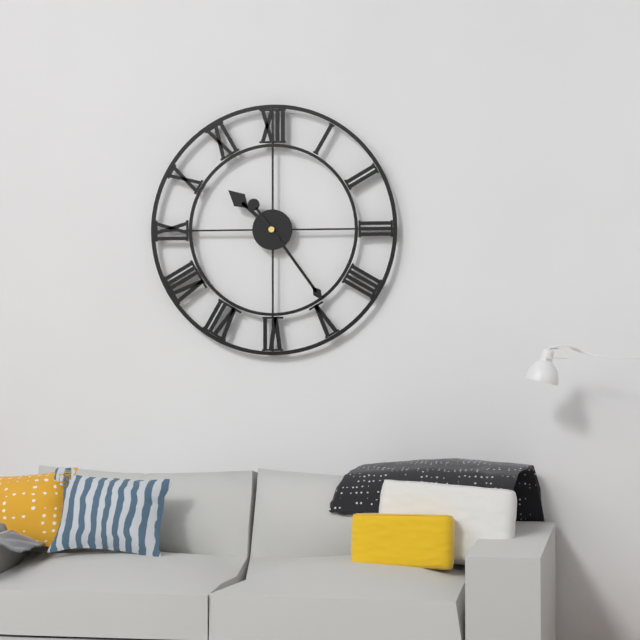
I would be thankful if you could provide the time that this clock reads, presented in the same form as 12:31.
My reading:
10:24
